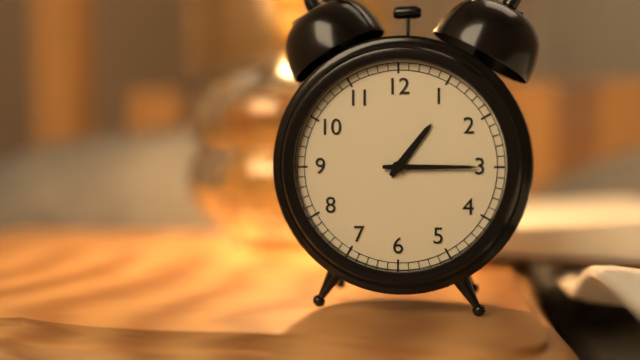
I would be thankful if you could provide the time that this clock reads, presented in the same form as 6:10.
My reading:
1:15
